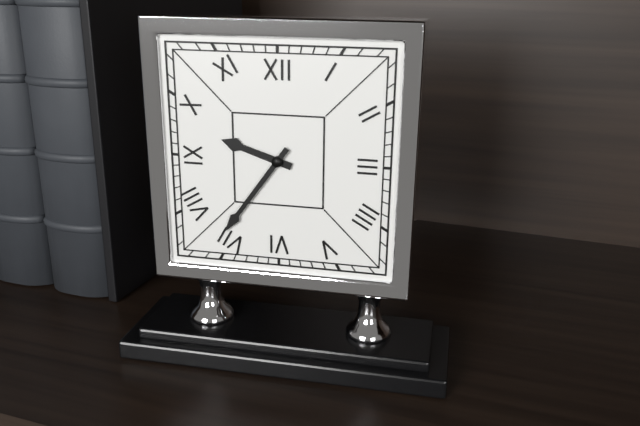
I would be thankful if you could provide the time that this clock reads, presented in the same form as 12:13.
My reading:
9:36
